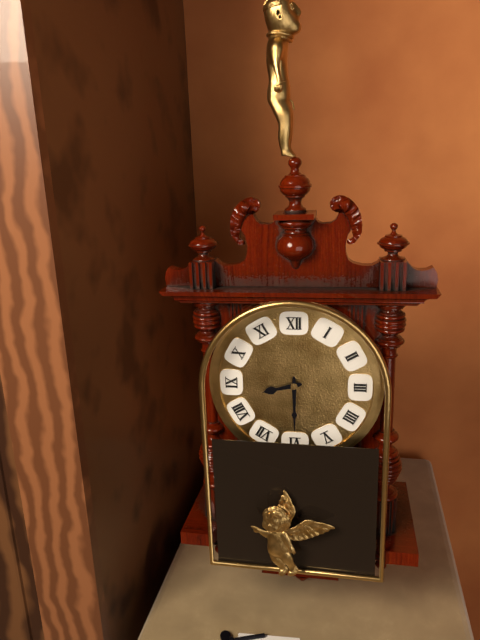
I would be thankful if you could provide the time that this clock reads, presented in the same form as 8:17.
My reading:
8:30
